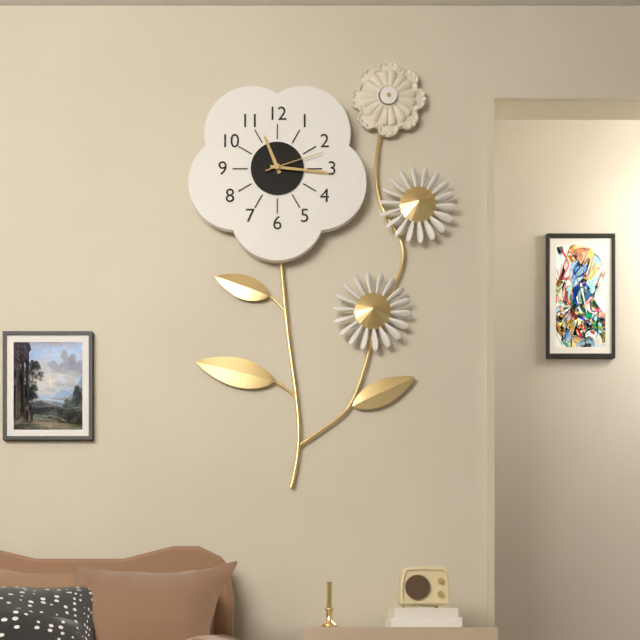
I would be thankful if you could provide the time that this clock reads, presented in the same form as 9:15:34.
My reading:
11:16:12
